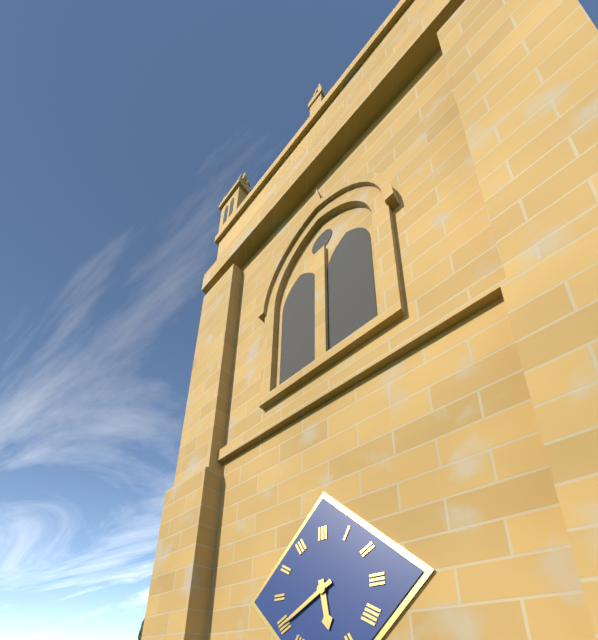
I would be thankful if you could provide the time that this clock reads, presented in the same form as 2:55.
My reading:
5:40
